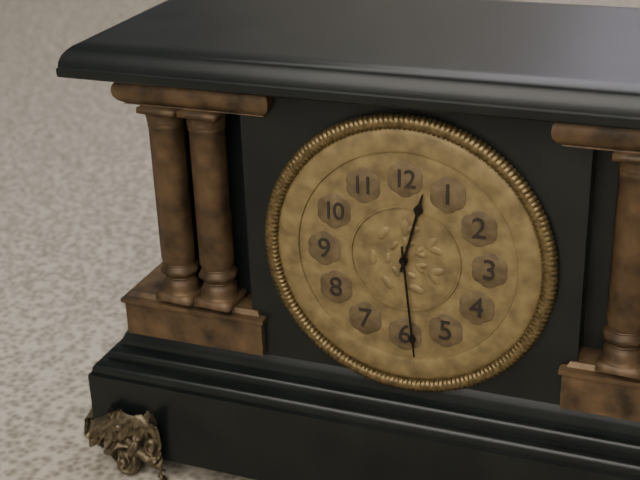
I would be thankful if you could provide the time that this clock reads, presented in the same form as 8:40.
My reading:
12:29
